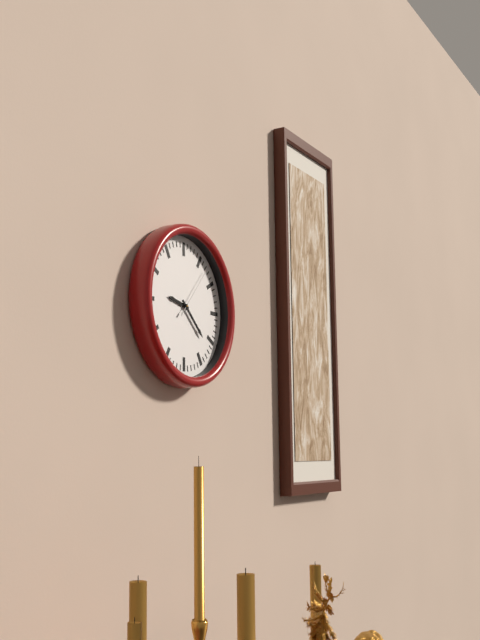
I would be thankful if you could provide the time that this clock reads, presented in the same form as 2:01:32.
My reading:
9:22:07
